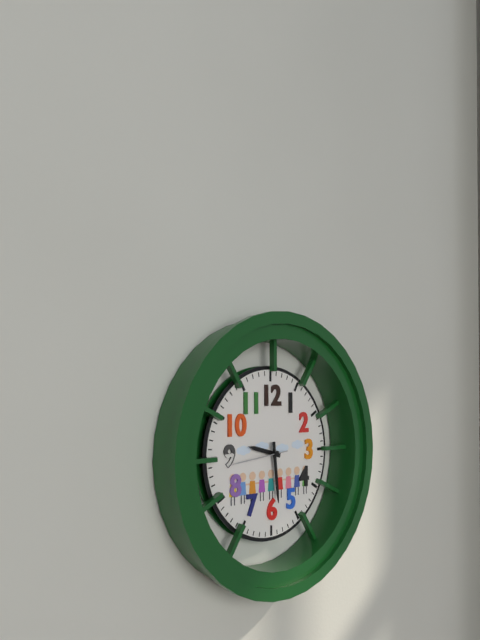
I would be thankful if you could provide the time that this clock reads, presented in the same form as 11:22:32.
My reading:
9:29:44
